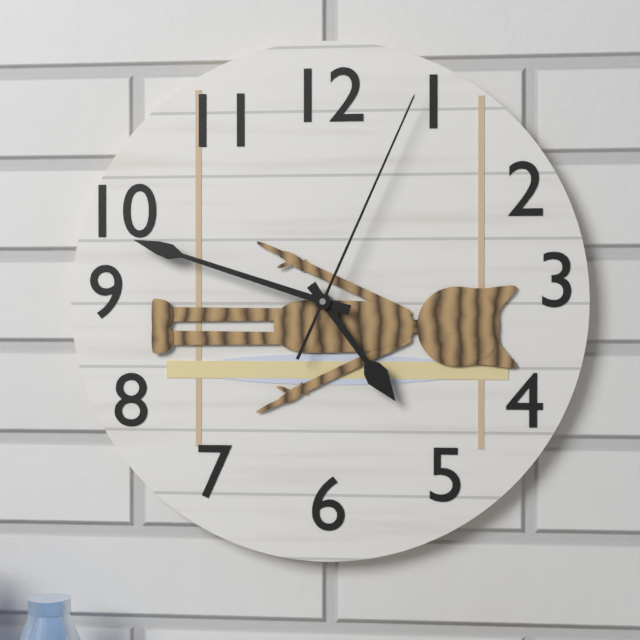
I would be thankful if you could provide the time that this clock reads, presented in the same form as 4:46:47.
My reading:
4:48:04
